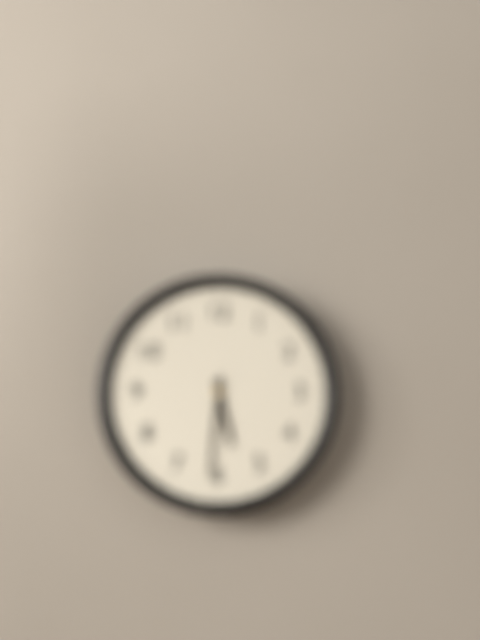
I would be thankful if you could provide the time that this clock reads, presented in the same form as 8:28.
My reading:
5:31
